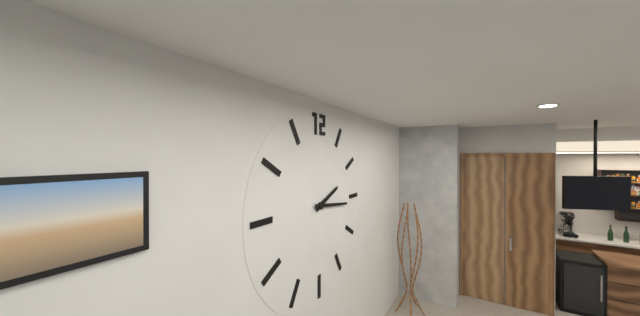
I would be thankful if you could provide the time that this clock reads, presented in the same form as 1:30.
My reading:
2:16
